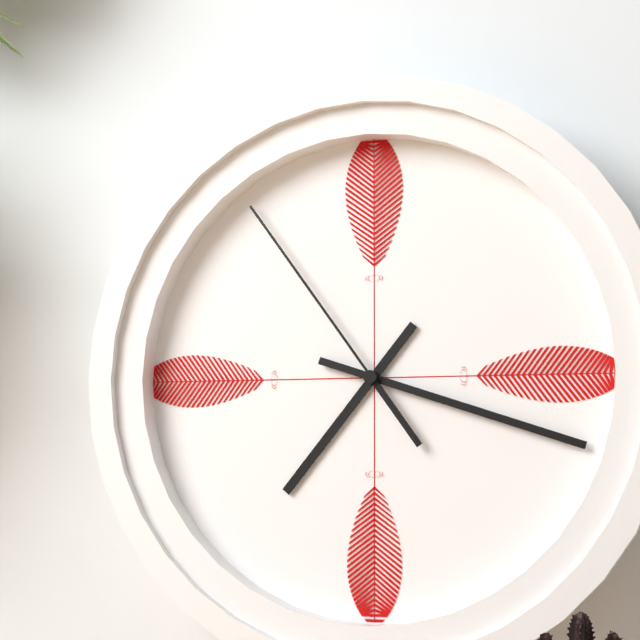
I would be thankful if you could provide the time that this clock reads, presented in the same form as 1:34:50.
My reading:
7:18:54
